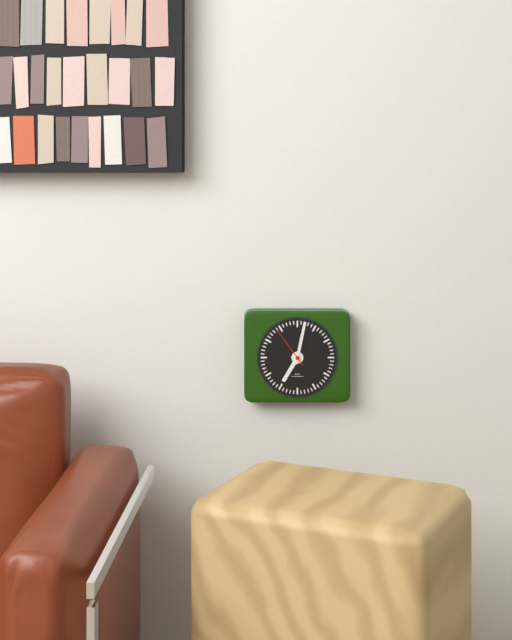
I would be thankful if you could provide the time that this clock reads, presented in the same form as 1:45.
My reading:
7:02
